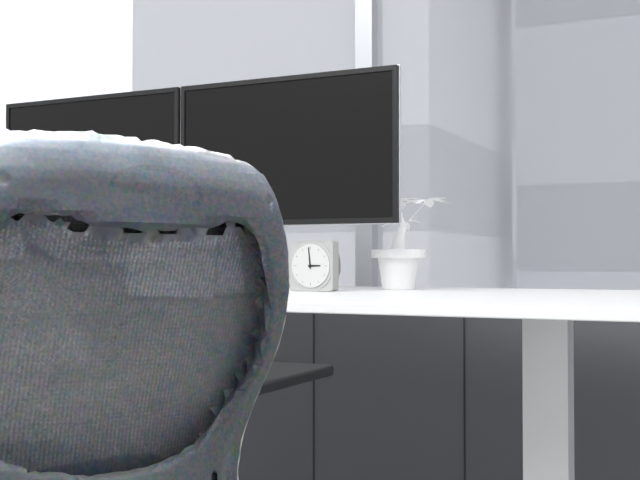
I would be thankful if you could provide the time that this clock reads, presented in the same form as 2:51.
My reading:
2:59
